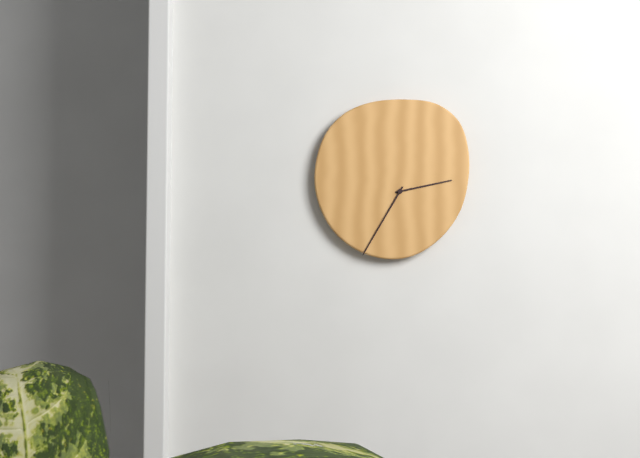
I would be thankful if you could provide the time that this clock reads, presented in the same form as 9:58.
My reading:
2:35
